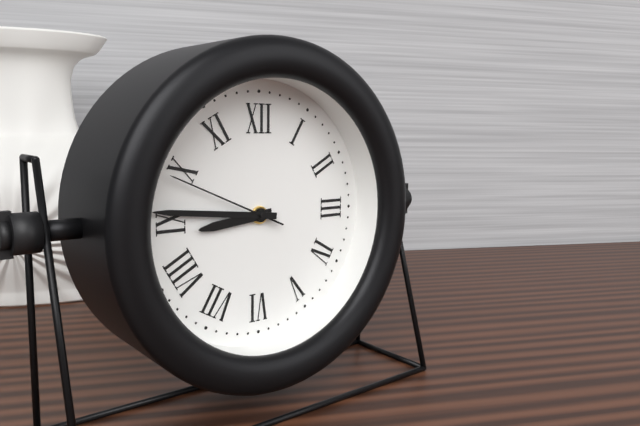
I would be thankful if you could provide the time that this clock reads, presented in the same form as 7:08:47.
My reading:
8:46:49
